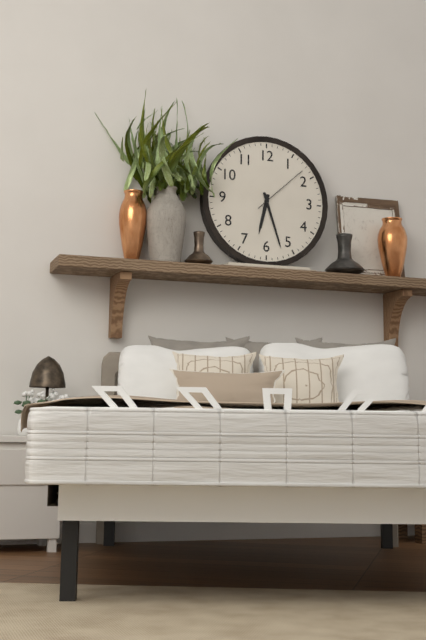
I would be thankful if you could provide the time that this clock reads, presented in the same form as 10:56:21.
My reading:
6:27:08
